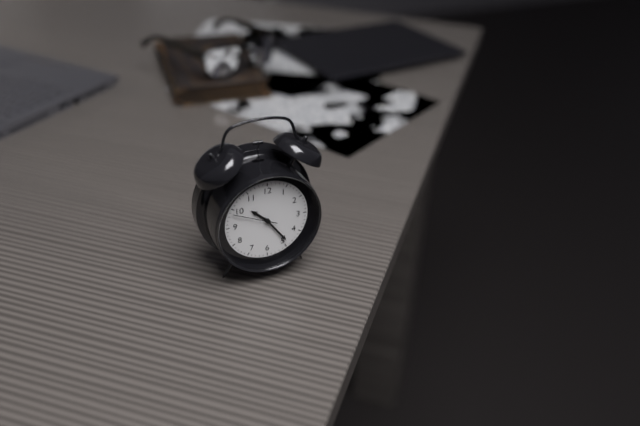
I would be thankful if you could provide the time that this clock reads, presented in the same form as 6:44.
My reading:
10:24
